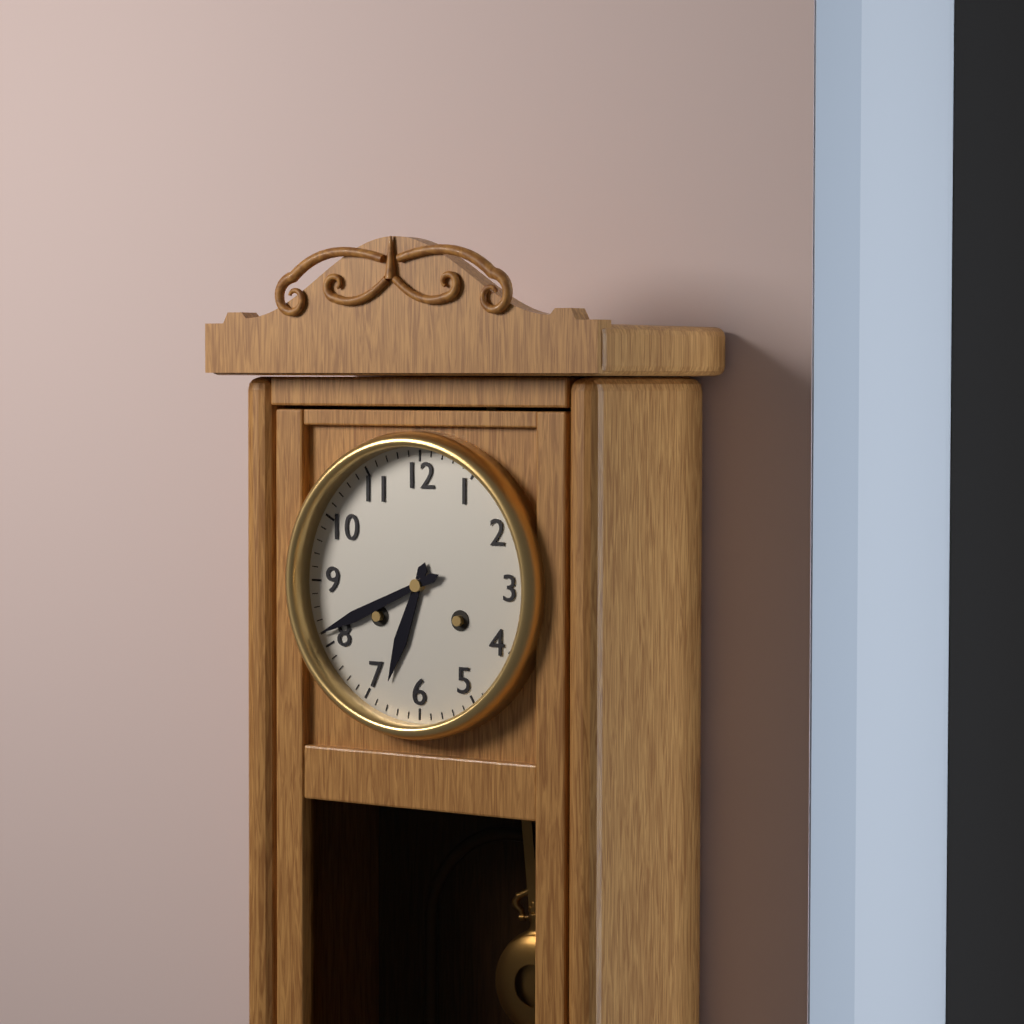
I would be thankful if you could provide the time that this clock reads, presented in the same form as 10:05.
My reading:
6:41
